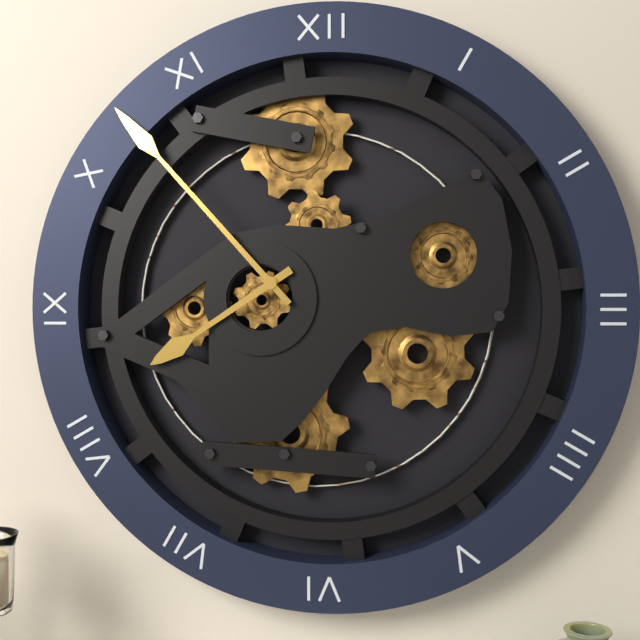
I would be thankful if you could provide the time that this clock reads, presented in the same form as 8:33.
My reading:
7:53
